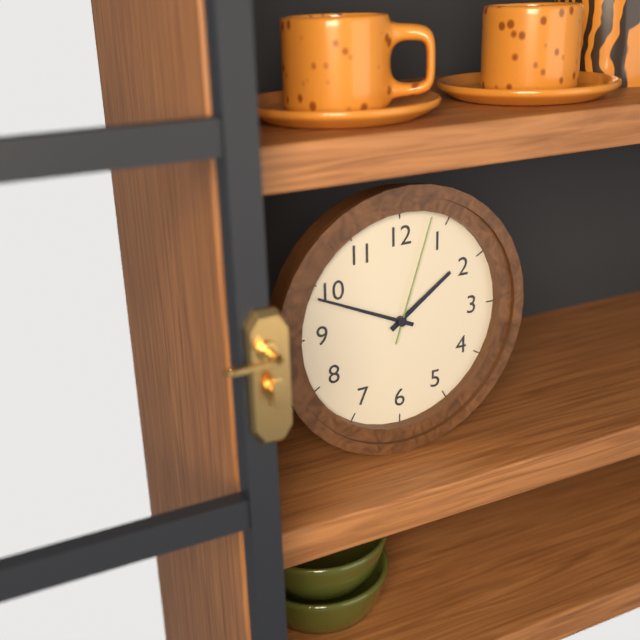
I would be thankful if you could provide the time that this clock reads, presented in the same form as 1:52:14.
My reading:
1:49:03
